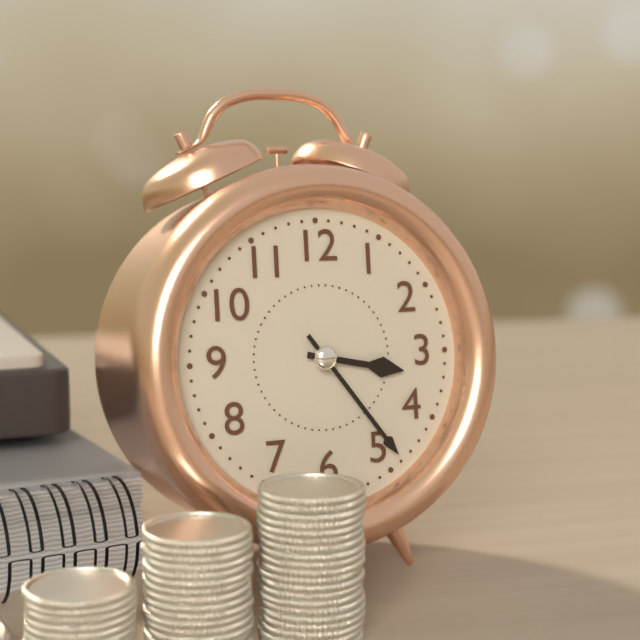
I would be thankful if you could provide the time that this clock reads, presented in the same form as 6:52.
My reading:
3:24
